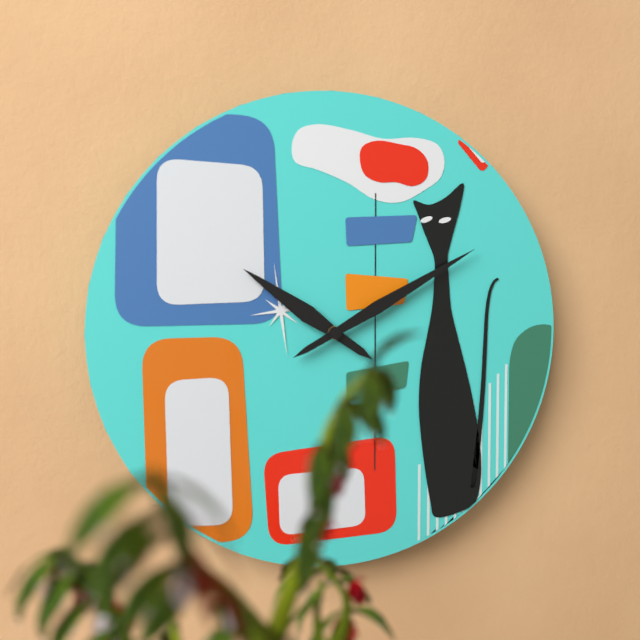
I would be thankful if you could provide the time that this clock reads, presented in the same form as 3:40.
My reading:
10:10
